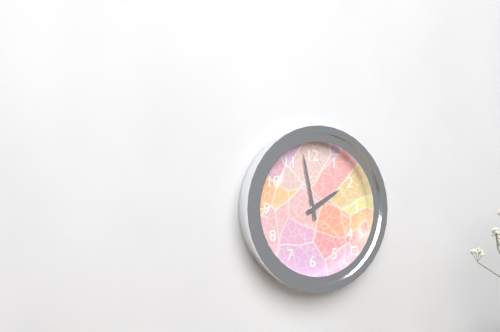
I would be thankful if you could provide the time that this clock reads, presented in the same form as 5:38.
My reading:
1:58
